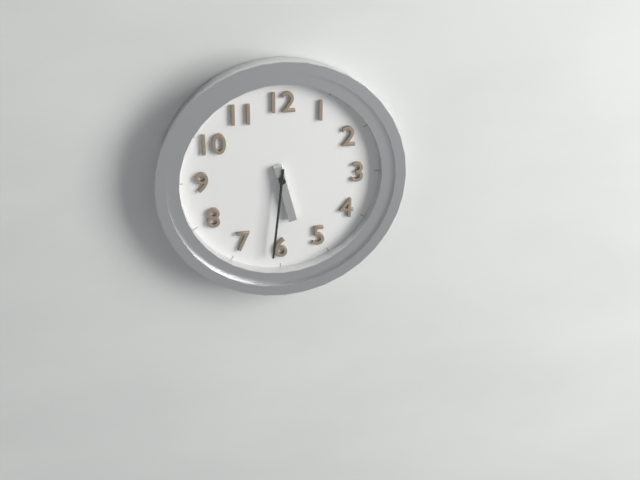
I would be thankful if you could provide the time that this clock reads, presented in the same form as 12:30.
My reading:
5:31
